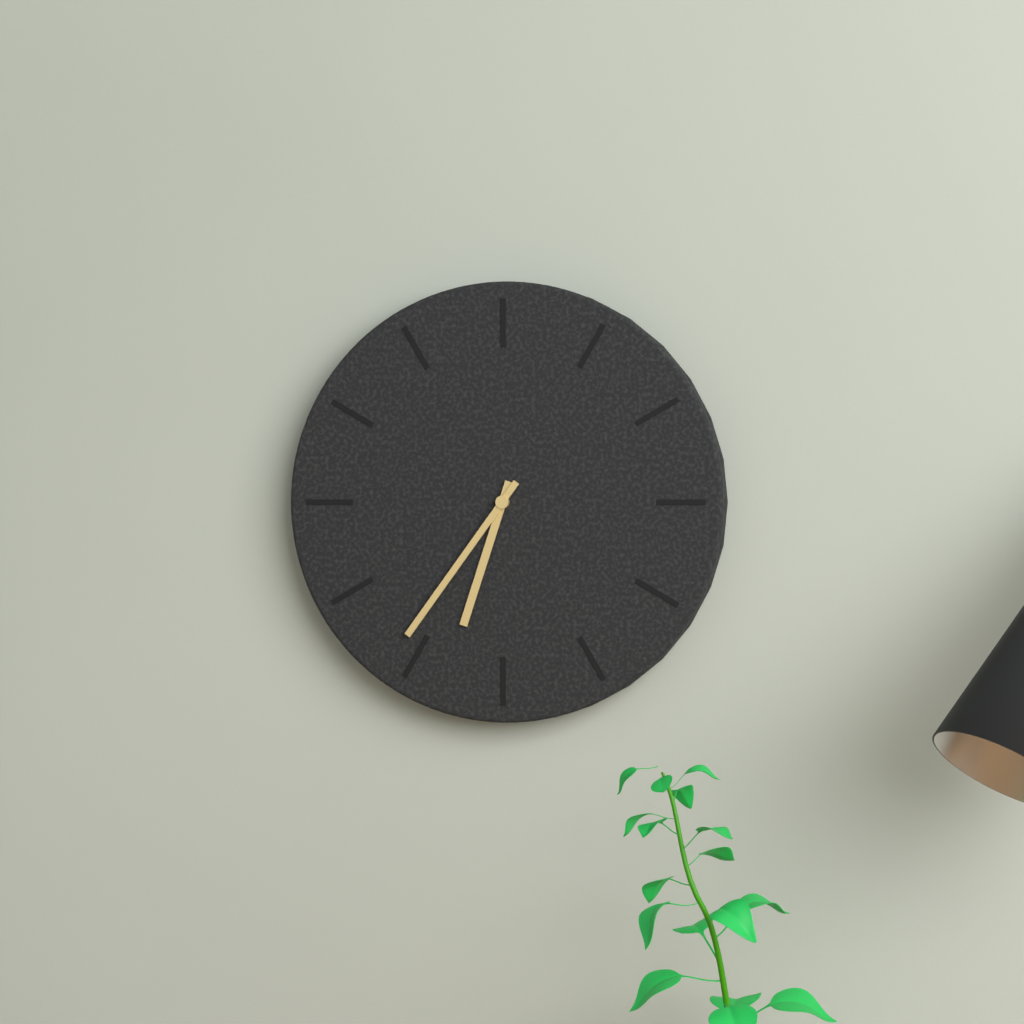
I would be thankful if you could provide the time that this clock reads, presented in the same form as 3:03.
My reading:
6:36
